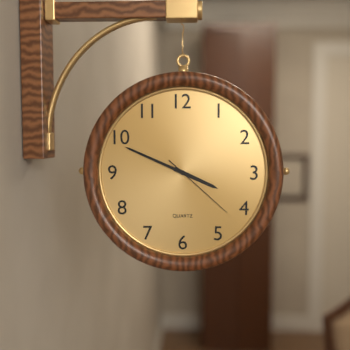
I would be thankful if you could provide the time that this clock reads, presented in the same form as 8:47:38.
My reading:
3:49:22
